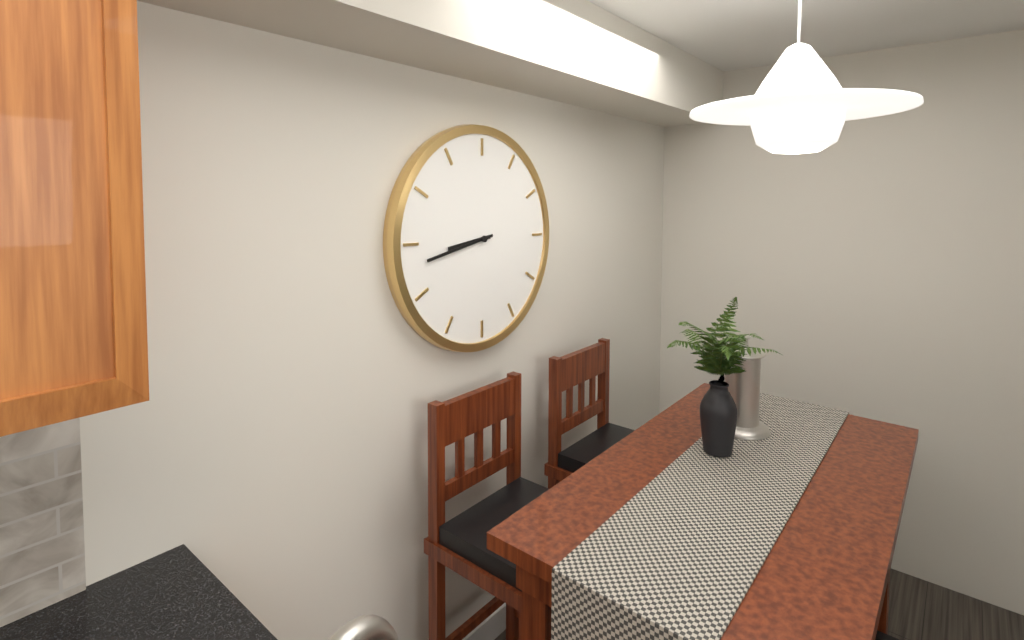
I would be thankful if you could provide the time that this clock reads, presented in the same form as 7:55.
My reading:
8:43
